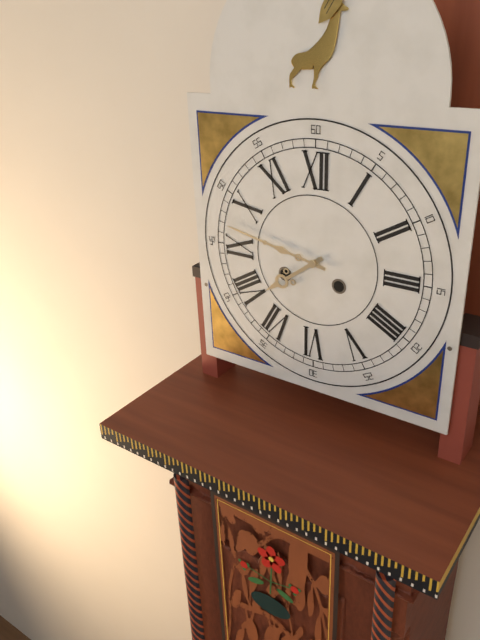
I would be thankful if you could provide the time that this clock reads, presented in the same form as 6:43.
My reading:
7:47
